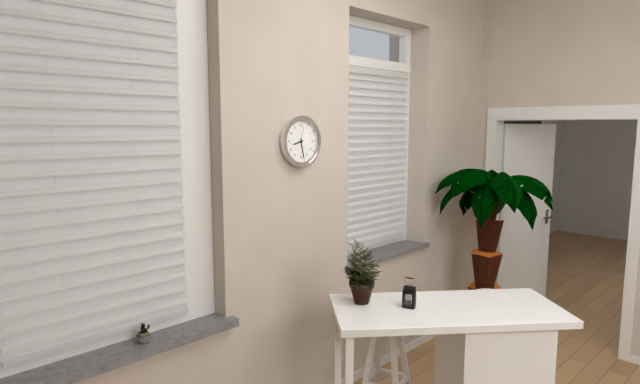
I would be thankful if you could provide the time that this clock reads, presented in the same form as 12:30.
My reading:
8:28
